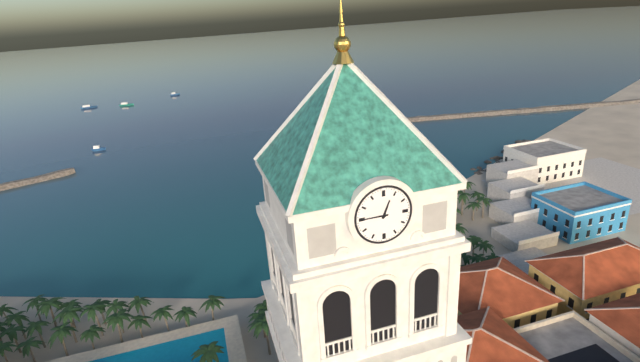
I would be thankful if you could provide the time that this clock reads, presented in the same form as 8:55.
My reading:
12:45
